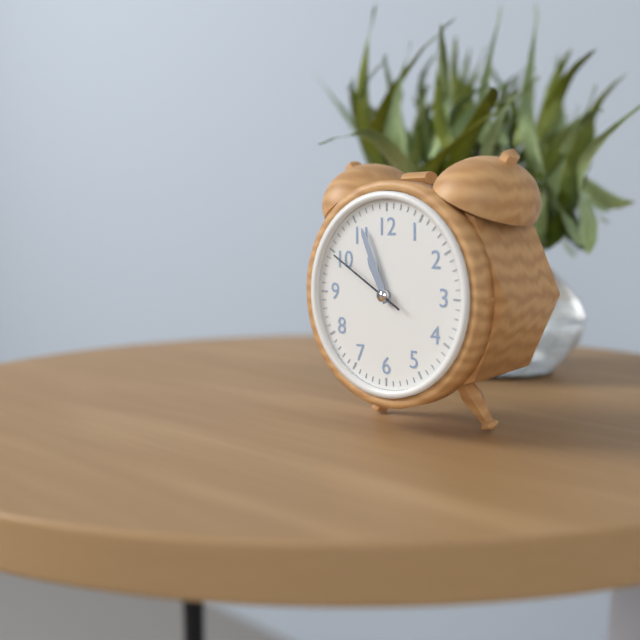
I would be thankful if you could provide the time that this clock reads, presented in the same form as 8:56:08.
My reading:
10:56:50
